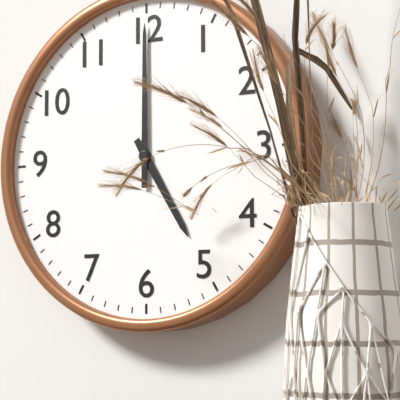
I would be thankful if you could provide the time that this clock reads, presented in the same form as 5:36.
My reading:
5:00
